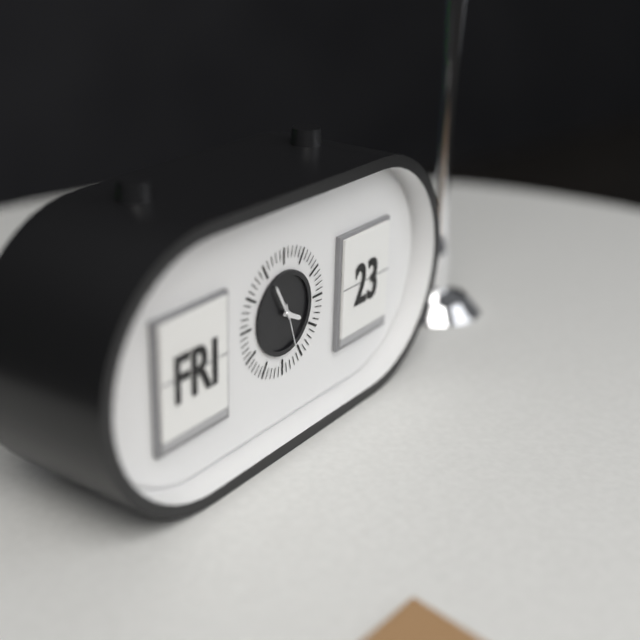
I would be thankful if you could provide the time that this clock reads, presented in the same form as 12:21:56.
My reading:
3:55:27
